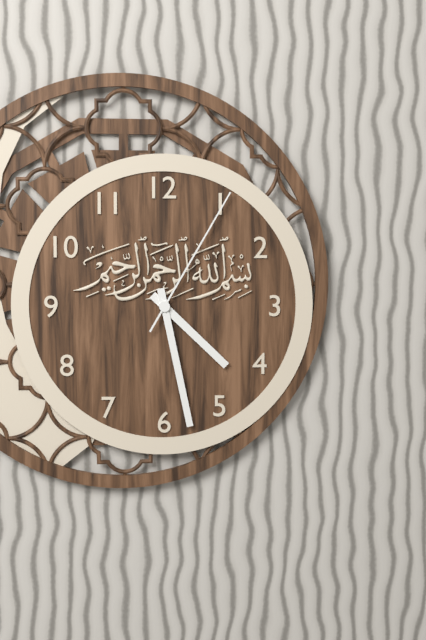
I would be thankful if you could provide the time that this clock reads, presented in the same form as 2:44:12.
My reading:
4:28:05
